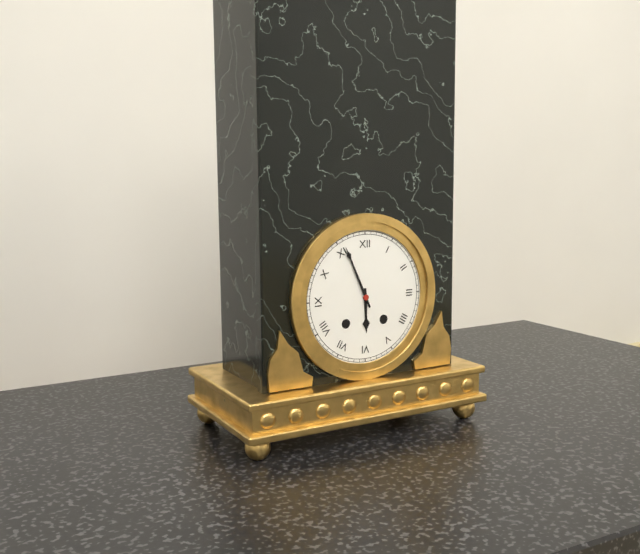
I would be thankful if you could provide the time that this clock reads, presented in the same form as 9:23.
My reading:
5:56
